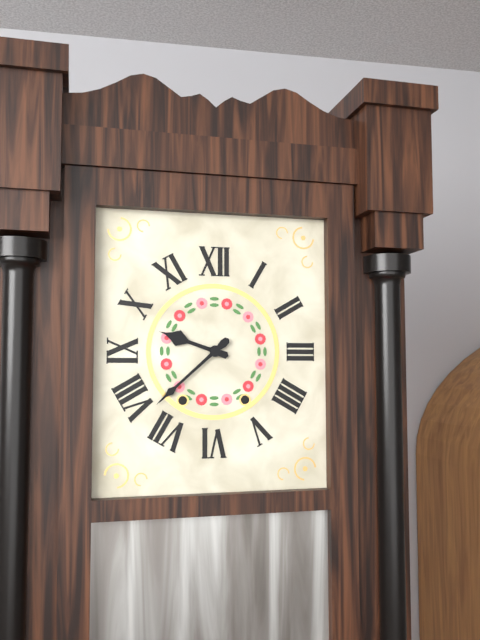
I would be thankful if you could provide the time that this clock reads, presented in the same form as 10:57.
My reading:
9:38
